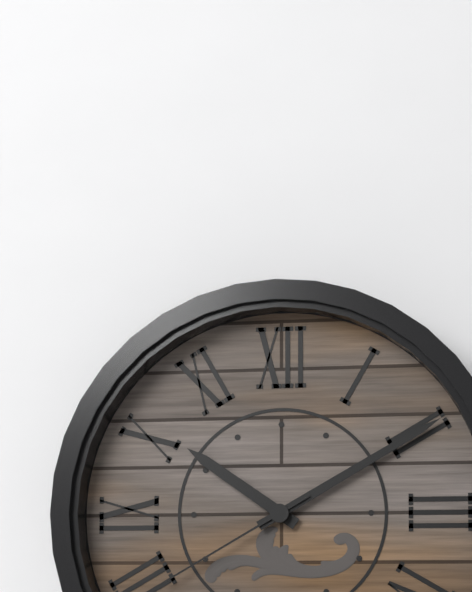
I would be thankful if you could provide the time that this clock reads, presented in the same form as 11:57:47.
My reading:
10:10:40
